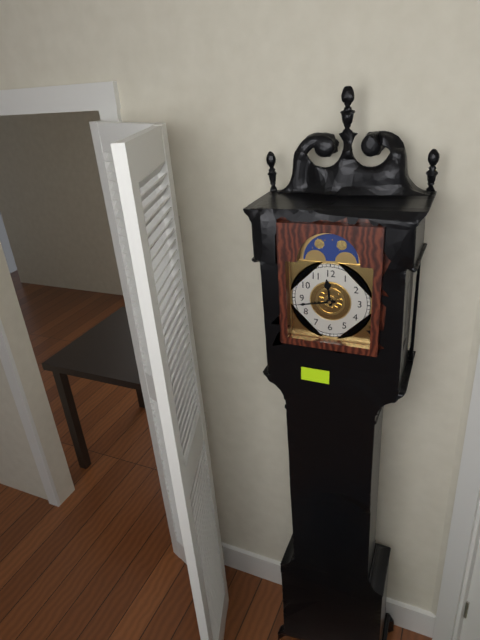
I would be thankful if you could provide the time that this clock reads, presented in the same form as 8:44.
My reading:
11:43
